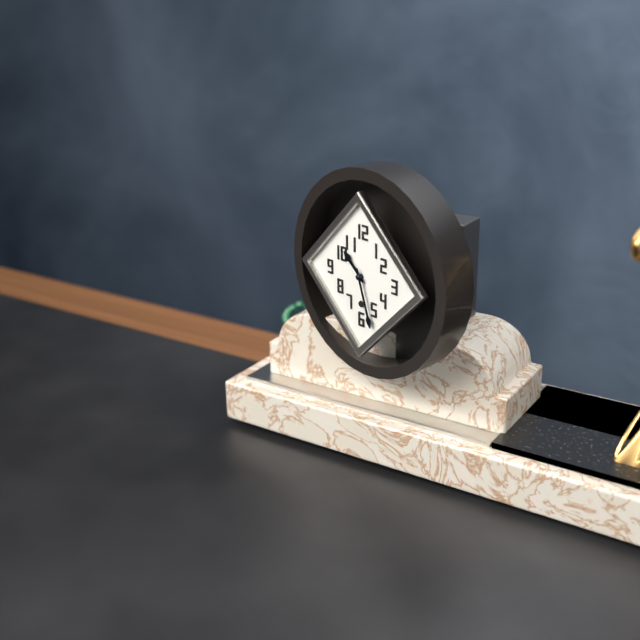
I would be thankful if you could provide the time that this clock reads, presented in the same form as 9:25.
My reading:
10:27
